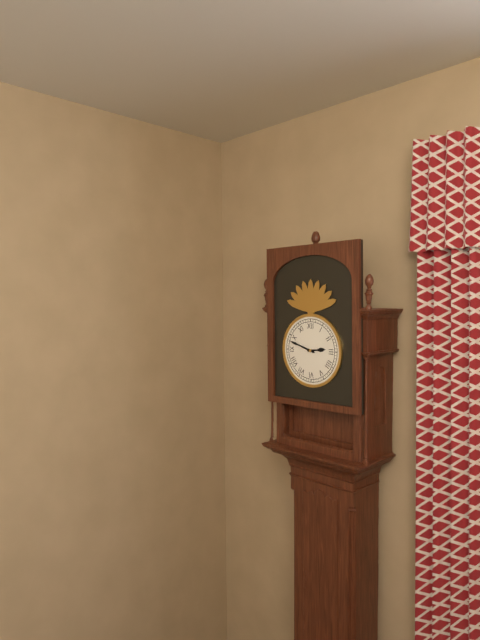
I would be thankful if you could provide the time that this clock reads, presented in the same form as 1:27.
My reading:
2:48
